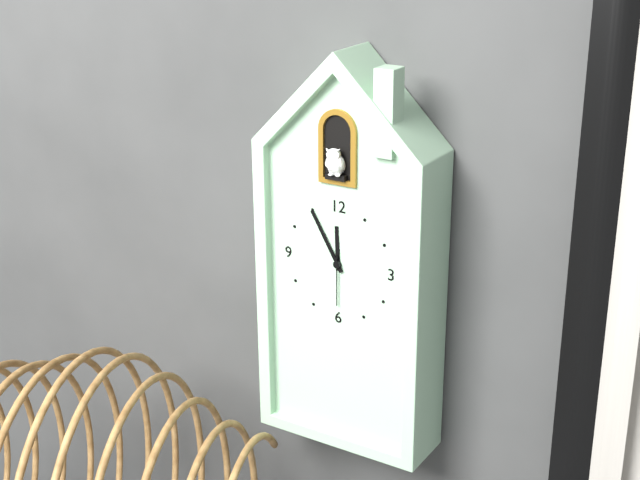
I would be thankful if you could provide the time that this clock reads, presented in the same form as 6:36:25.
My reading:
11:55:30
